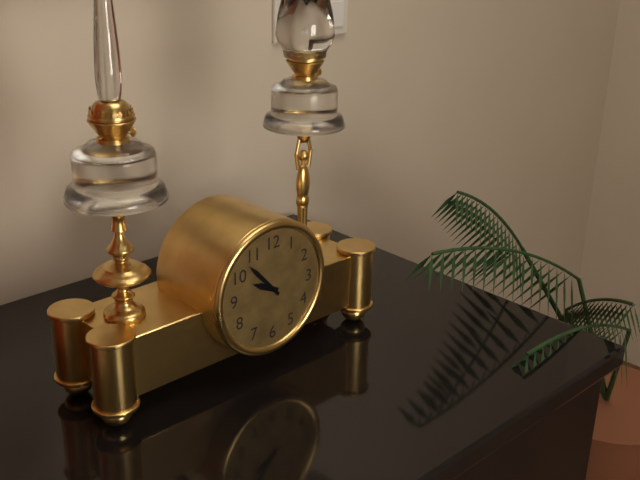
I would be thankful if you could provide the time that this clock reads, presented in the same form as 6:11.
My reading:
9:53
